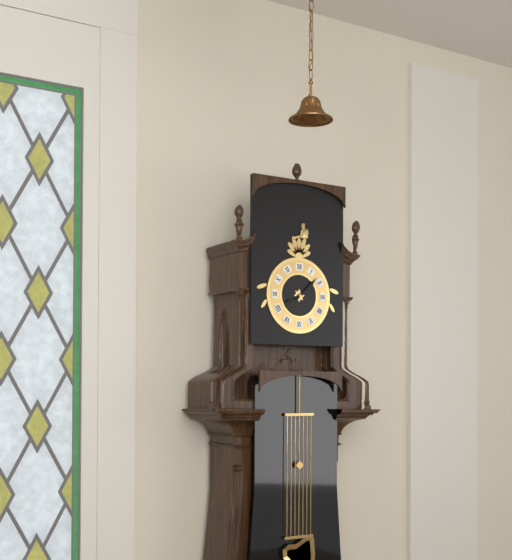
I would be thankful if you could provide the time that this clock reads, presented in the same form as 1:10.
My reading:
8:08
